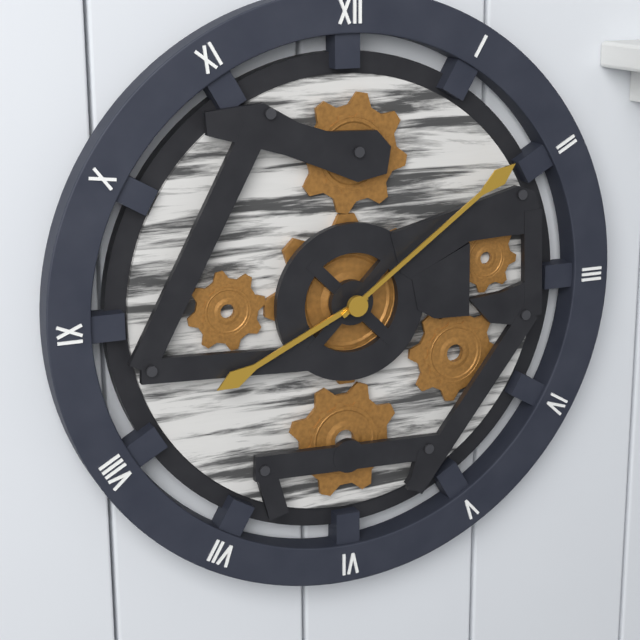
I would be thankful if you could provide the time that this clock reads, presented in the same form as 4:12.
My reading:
8:09
